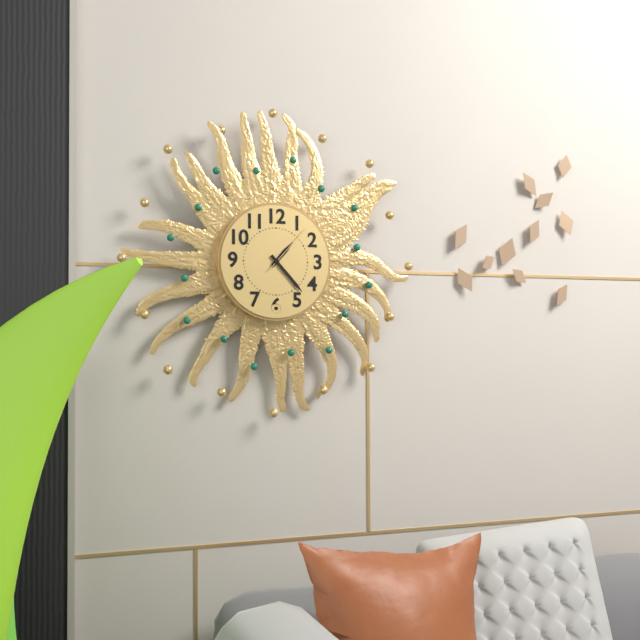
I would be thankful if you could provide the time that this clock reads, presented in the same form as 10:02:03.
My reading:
1:23:07
